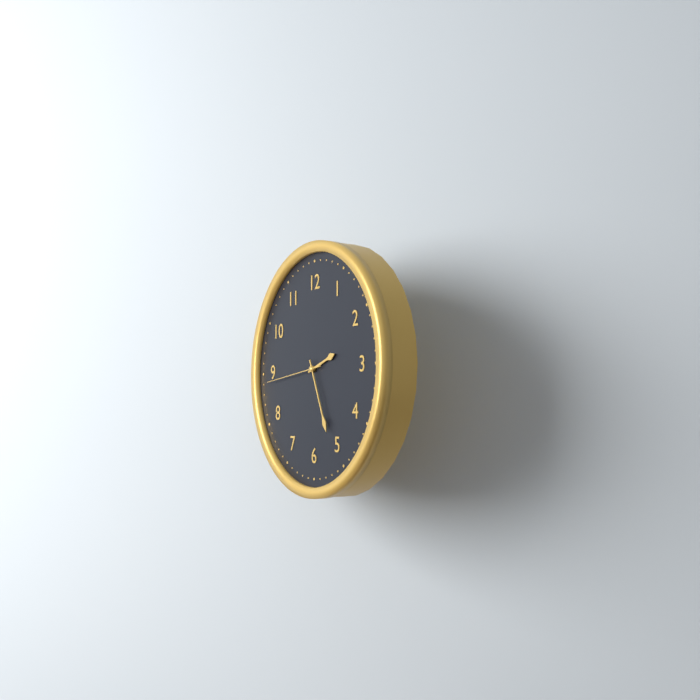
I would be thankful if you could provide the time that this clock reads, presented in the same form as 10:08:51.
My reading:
2:26:44
